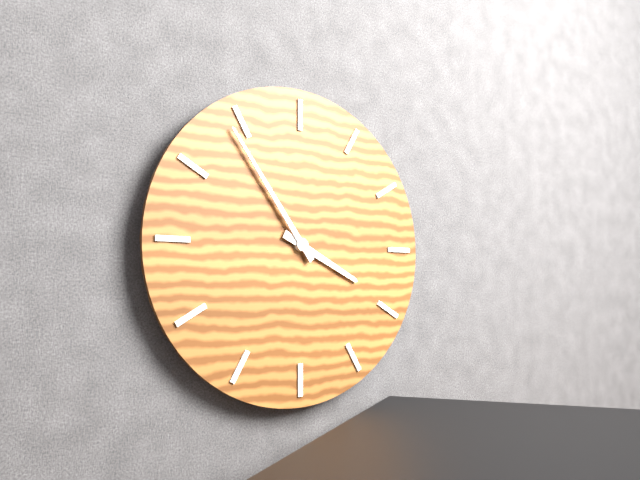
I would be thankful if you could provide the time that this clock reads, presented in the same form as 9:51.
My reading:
3:54
